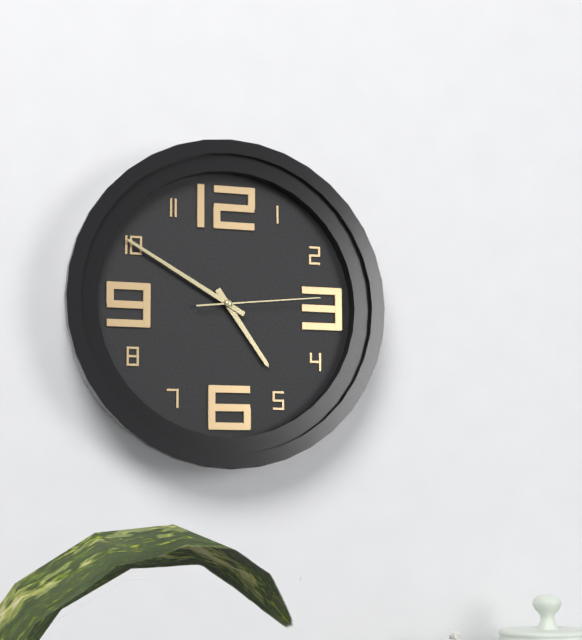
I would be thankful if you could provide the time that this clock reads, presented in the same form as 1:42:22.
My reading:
4:50:14
